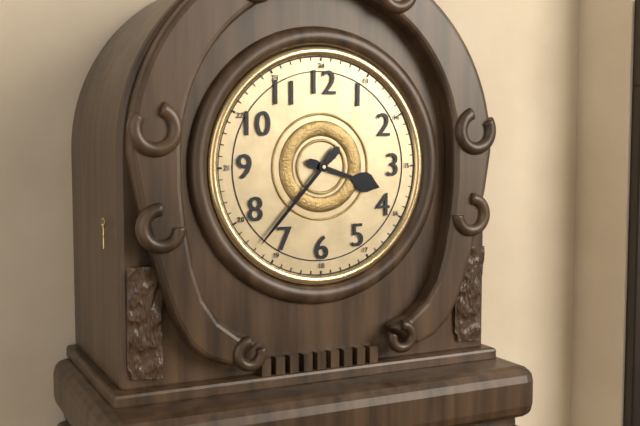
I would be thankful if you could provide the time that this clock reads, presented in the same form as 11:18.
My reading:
3:37
